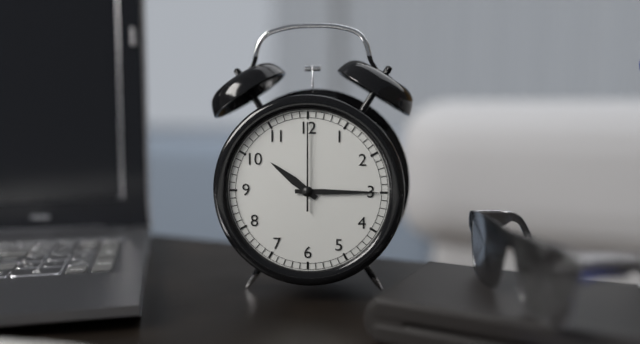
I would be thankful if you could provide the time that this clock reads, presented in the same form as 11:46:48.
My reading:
10:15:00
